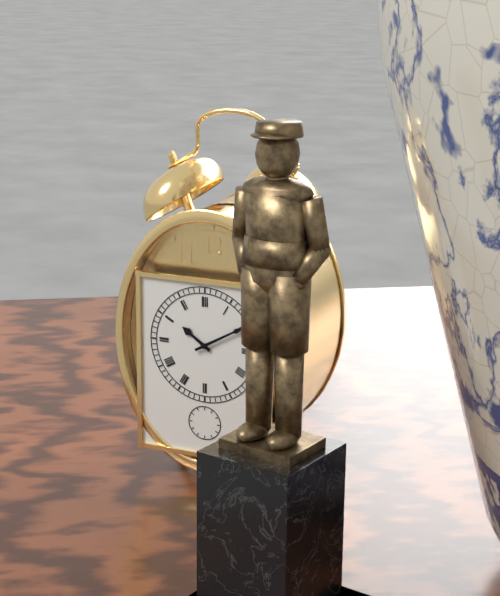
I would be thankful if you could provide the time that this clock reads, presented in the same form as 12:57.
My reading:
10:10
